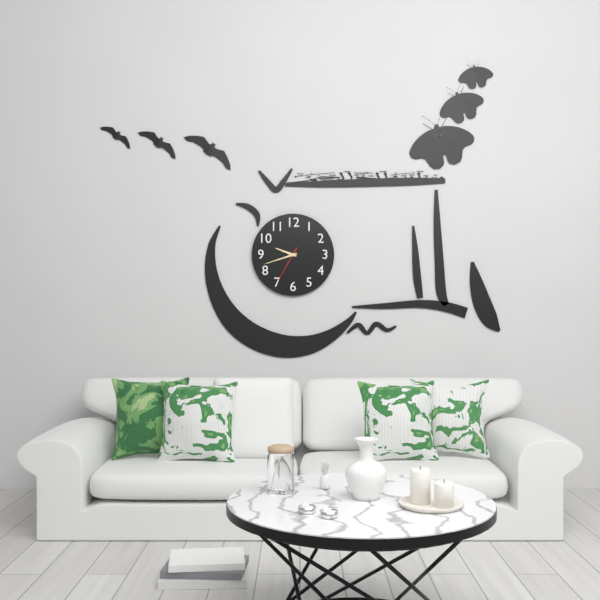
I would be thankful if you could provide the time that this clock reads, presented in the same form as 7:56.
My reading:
9:42
